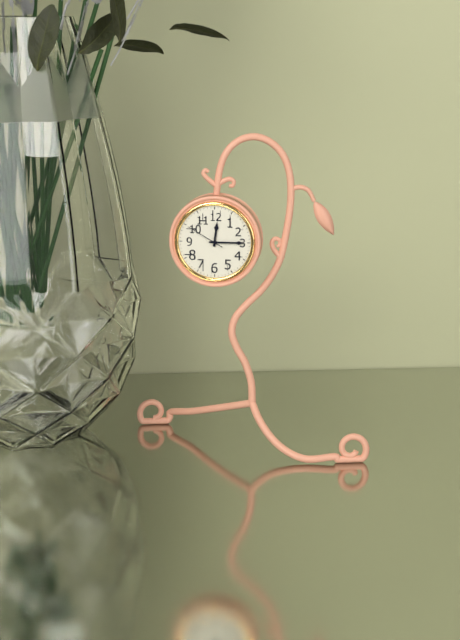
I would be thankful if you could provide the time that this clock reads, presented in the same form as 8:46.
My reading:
12:15
